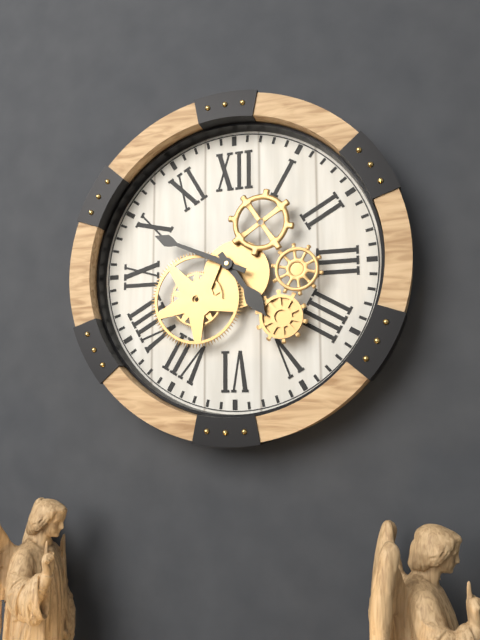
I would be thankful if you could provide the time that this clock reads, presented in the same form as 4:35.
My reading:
4:49
